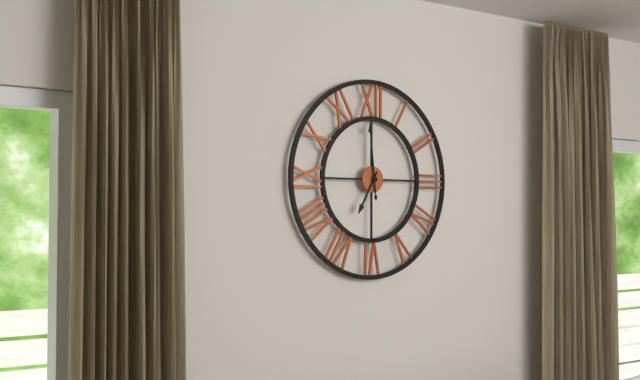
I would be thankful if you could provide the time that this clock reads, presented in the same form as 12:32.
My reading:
6:59
